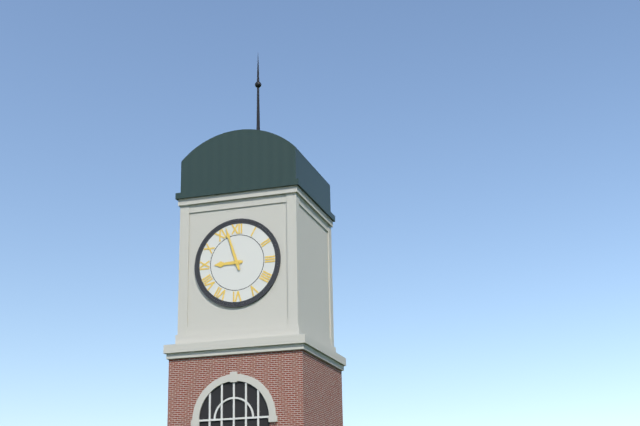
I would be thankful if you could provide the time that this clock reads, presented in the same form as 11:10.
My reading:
8:57
